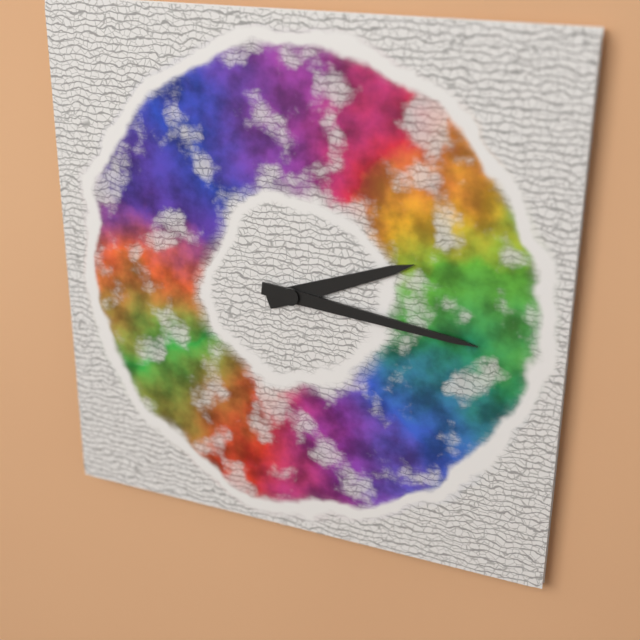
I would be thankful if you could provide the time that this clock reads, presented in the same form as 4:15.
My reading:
2:16
